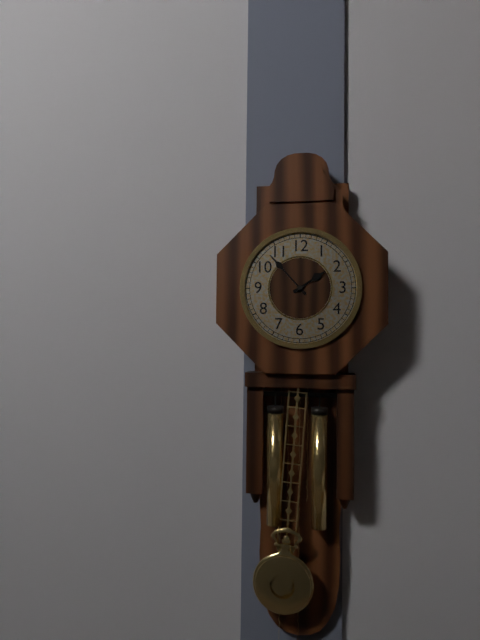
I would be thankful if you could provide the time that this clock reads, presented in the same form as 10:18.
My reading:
1:53
